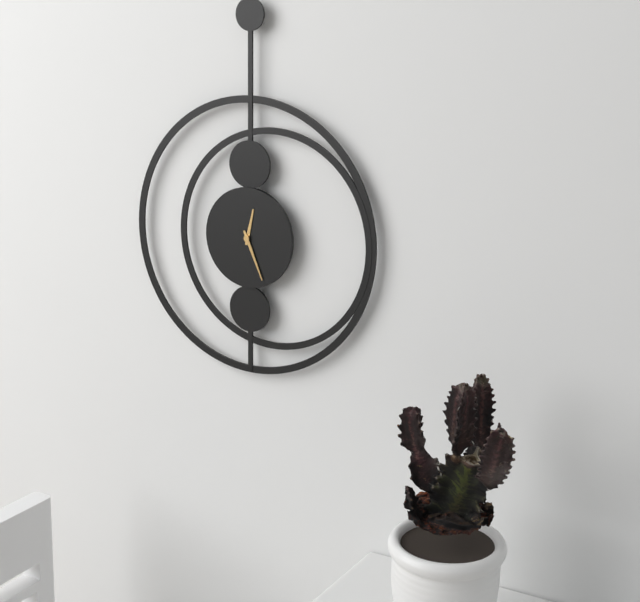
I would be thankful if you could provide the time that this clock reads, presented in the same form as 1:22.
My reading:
12:26
